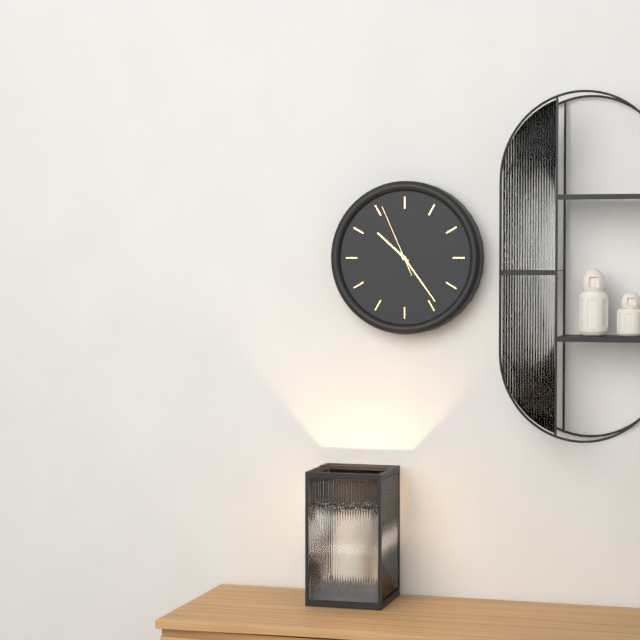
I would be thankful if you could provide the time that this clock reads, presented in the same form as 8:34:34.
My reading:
10:24:56
